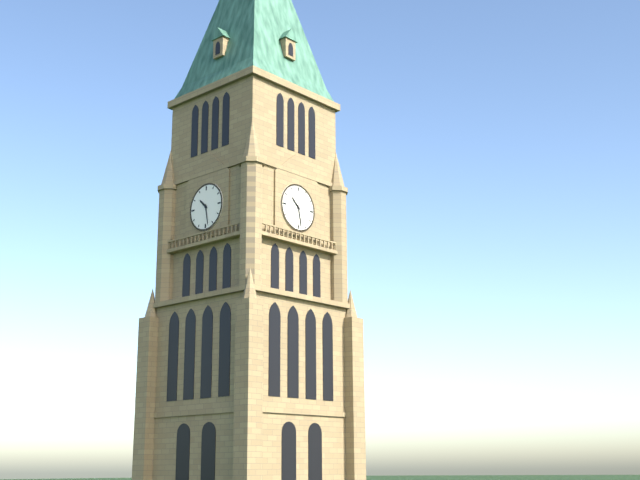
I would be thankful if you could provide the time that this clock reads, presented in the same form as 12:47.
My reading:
10:28
